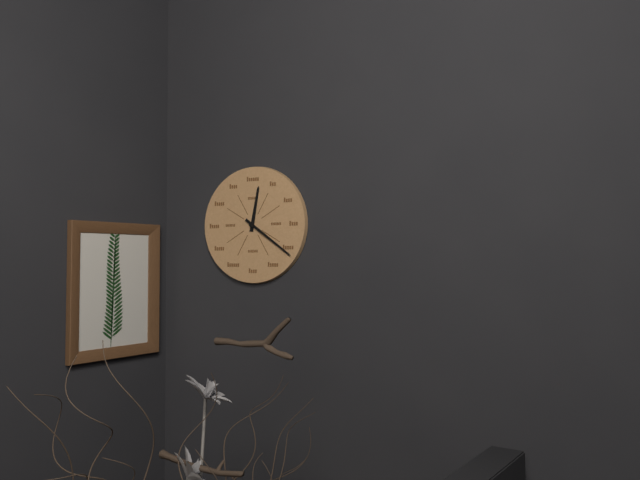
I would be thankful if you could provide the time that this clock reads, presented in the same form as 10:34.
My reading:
12:21
